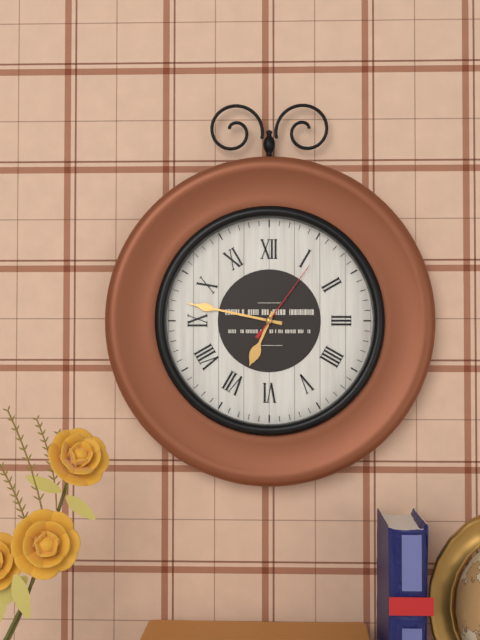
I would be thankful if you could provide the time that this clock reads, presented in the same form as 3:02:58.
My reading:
6:47:06
